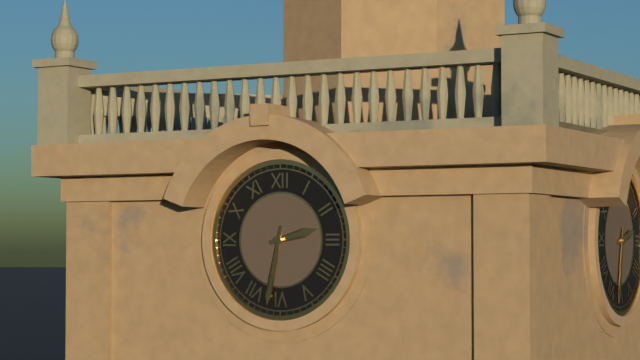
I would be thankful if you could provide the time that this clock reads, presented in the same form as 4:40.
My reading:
2:32
